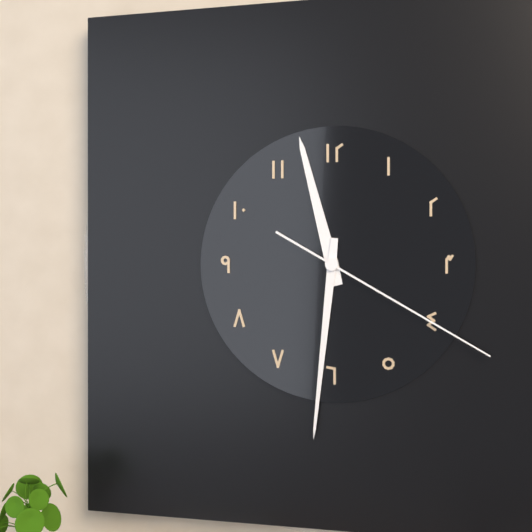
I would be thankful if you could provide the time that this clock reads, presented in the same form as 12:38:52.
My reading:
11:31:20
